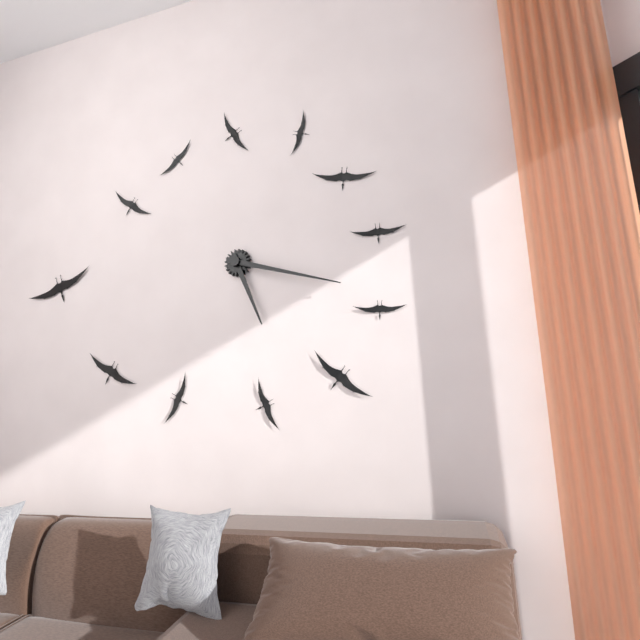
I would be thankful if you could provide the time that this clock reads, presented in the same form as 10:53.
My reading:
5:18
